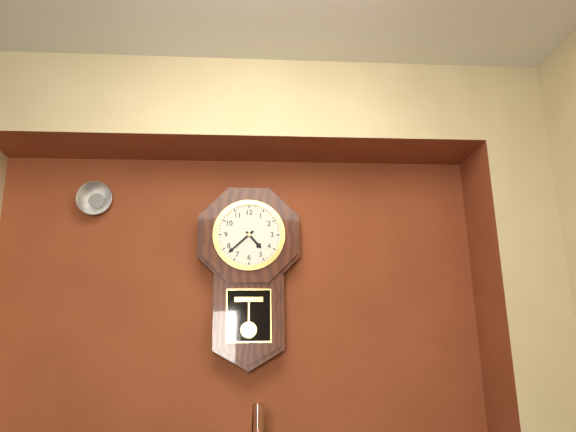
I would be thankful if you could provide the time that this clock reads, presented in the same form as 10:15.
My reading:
4:38
